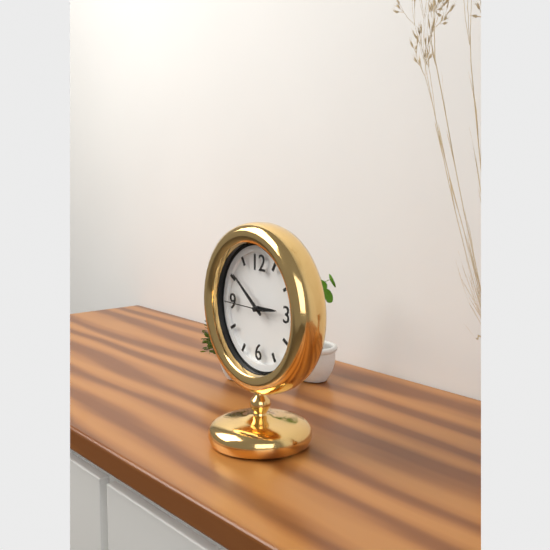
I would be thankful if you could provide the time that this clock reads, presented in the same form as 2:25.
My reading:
2:51
